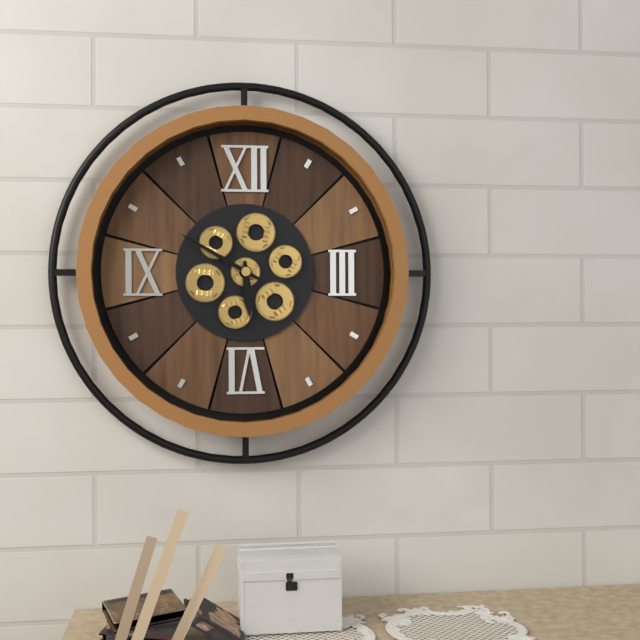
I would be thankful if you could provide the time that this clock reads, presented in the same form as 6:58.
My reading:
5:50
